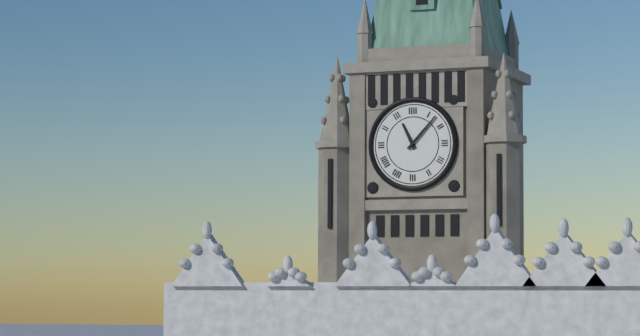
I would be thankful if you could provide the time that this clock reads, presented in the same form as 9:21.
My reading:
11:07
